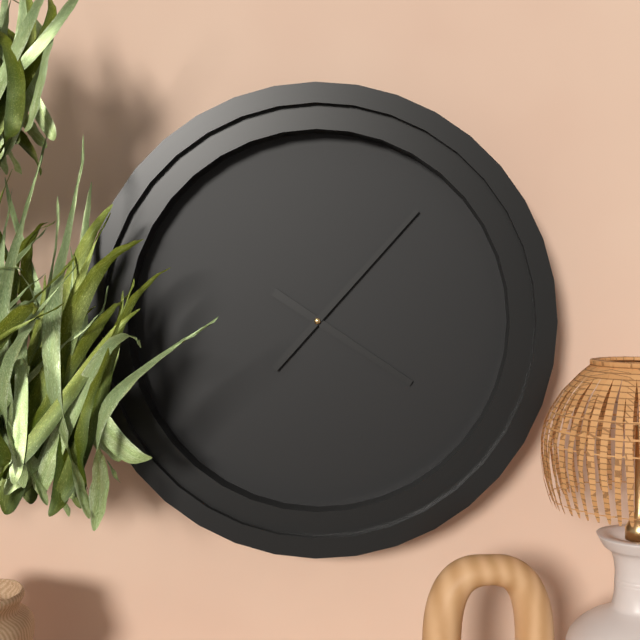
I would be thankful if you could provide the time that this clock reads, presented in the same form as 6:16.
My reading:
4:07
